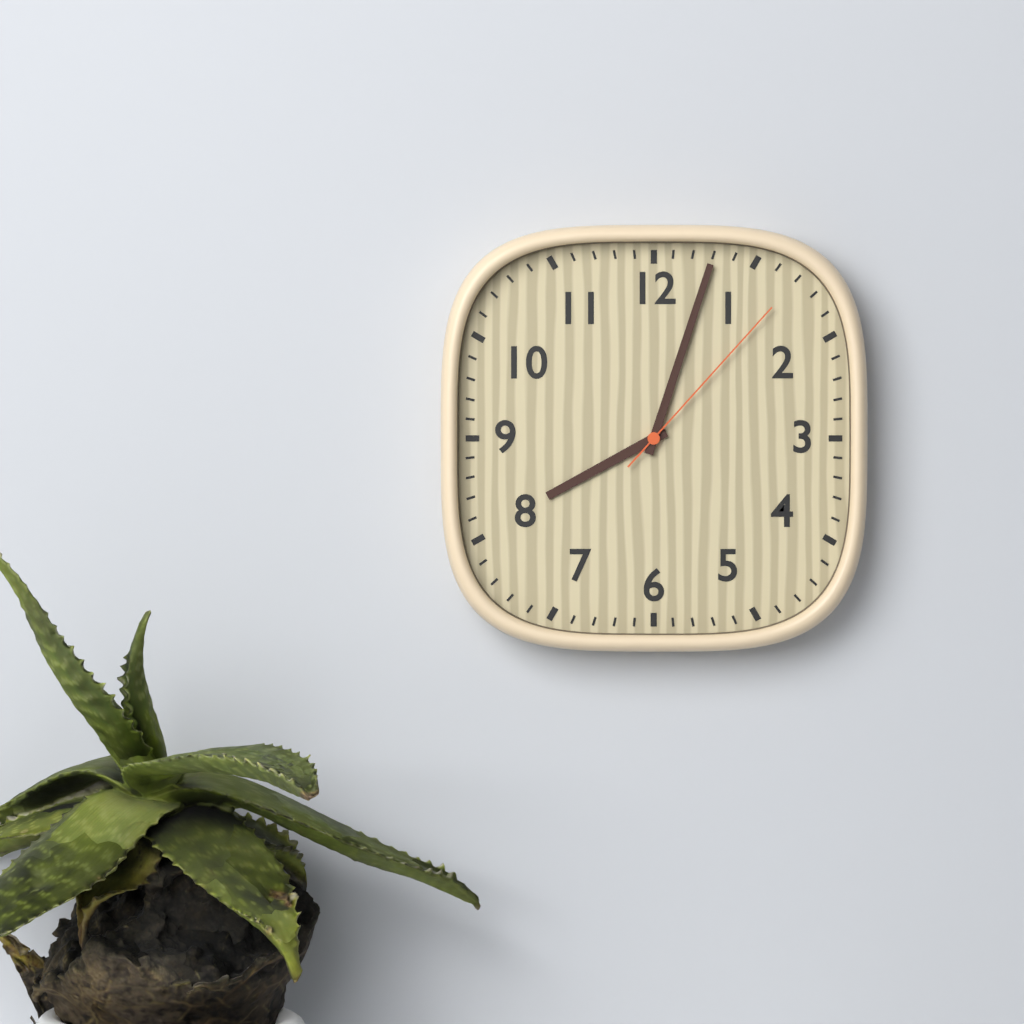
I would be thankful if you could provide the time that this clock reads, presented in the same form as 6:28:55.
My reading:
8:03:07
